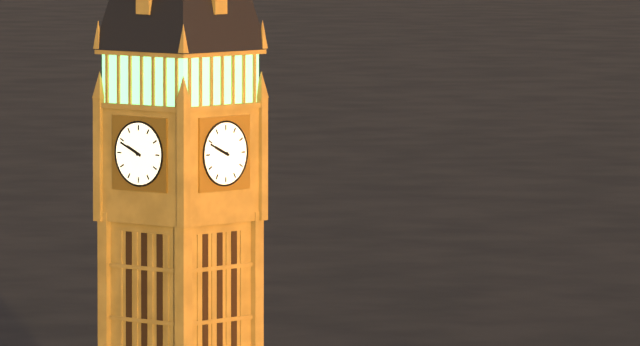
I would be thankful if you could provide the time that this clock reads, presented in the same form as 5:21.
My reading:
9:49
